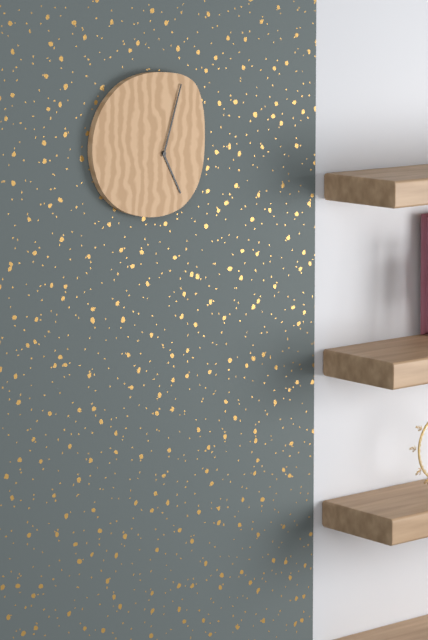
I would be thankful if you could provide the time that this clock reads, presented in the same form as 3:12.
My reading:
5:03
